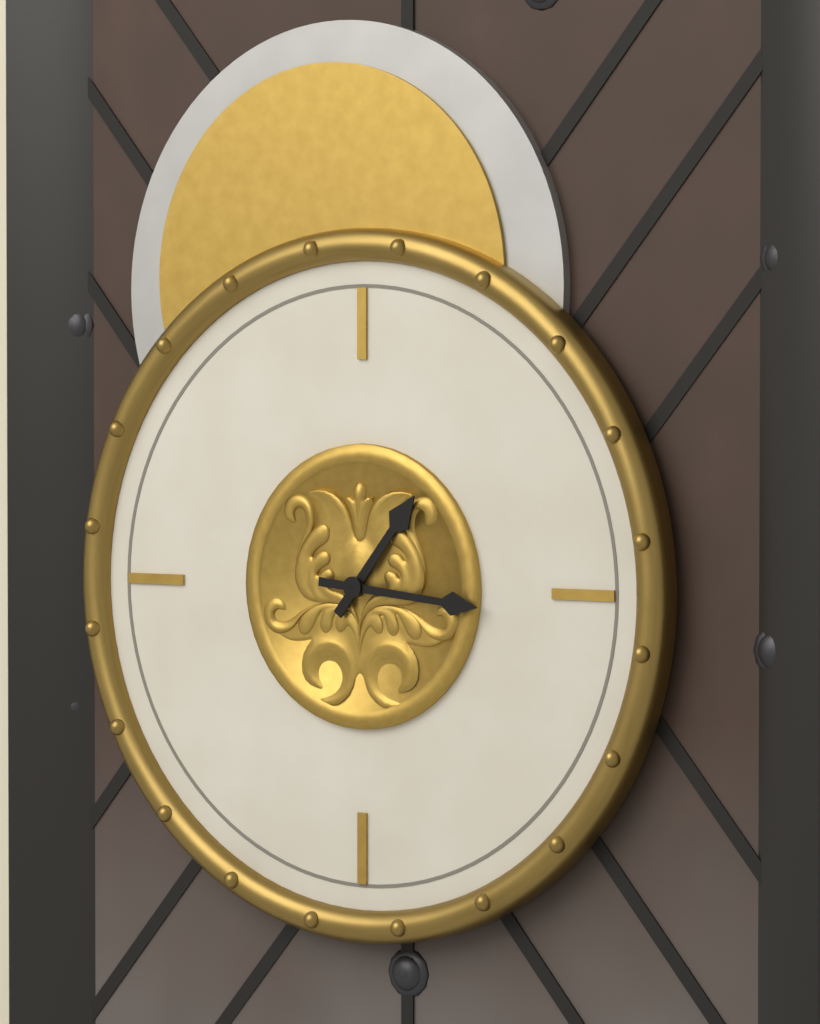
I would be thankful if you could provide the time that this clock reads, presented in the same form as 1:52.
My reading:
1:16
